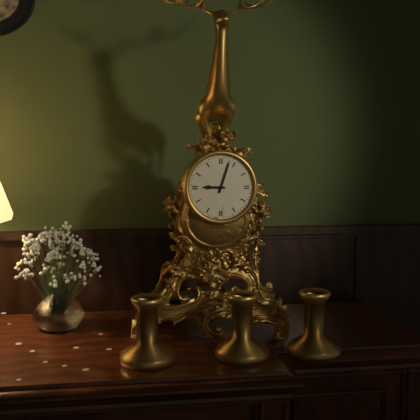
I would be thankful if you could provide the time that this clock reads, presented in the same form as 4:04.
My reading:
9:03
